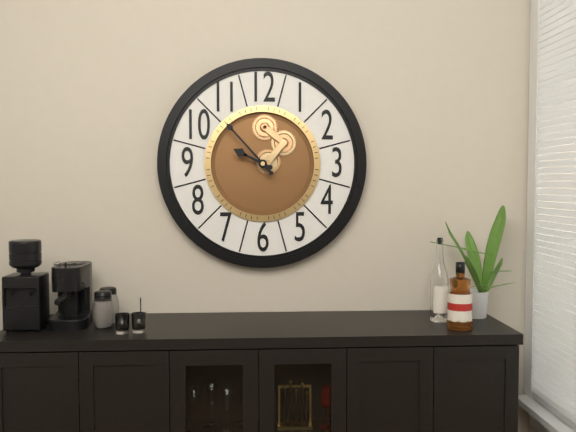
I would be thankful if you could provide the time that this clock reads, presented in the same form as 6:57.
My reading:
9:53
